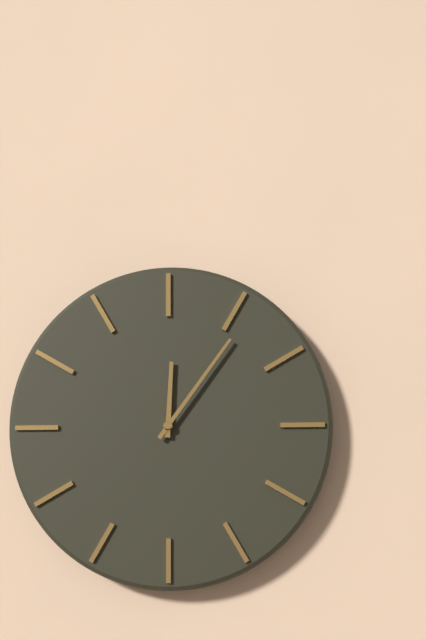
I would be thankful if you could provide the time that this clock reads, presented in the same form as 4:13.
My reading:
12:06
